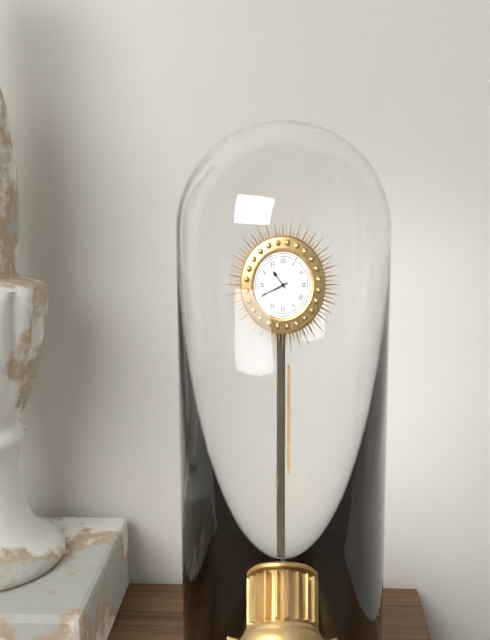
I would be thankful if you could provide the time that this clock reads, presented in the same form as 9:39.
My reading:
10:41
